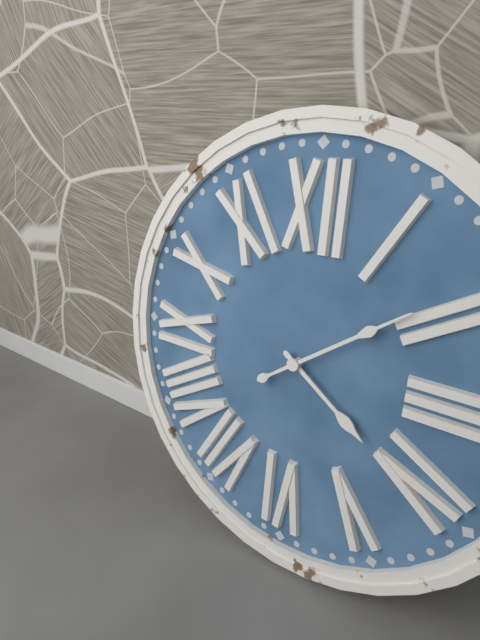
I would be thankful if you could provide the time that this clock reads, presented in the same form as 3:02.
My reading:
4:09
